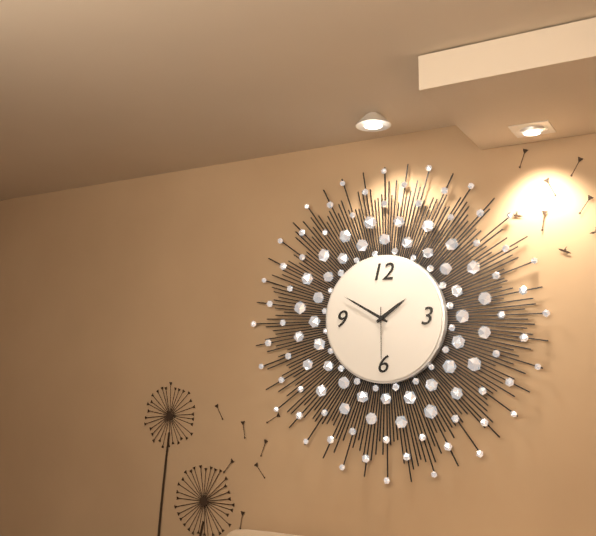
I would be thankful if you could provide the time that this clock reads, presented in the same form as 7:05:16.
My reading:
1:50:30
